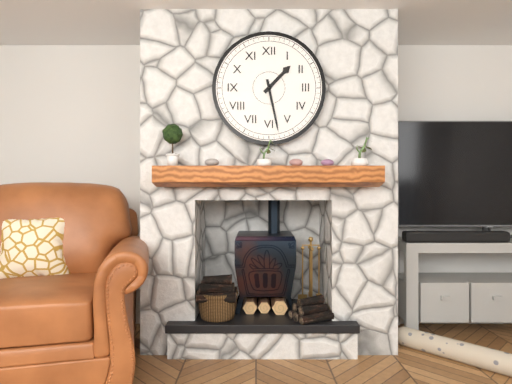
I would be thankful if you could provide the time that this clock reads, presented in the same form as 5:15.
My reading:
1:28
